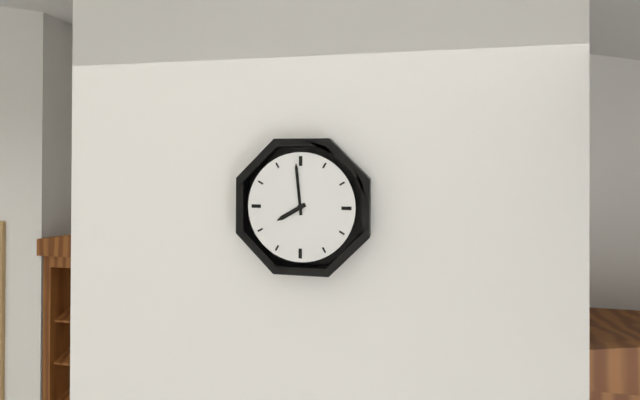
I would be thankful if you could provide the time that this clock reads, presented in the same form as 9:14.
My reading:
7:59
